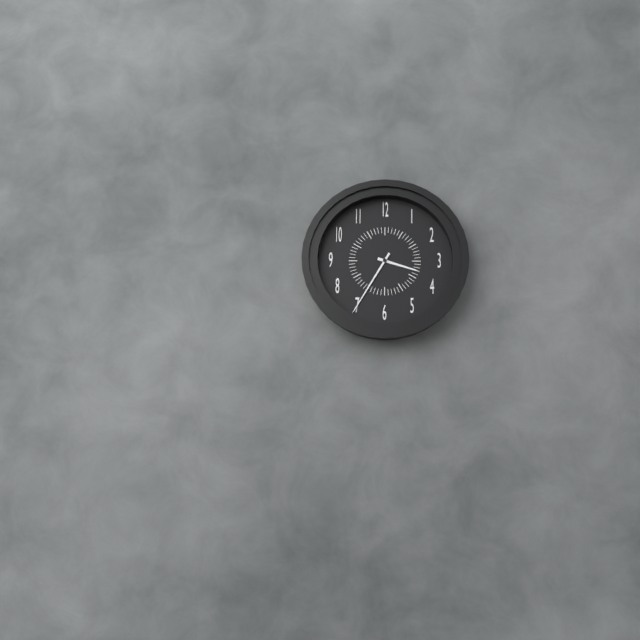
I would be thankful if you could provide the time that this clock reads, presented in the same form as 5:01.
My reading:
3:35
